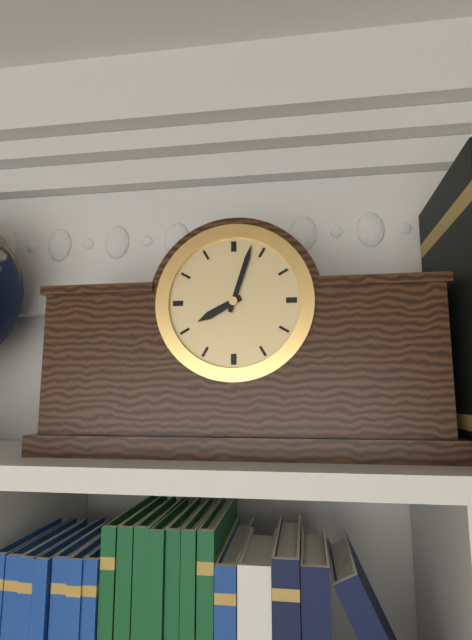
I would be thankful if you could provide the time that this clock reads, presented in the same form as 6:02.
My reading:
8:03
